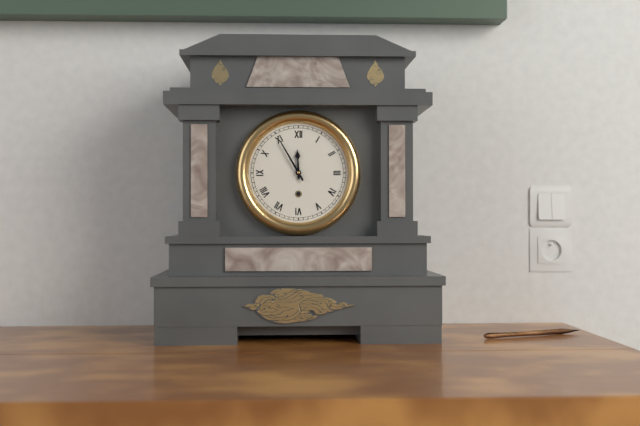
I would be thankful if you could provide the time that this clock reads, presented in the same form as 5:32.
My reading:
11:55
